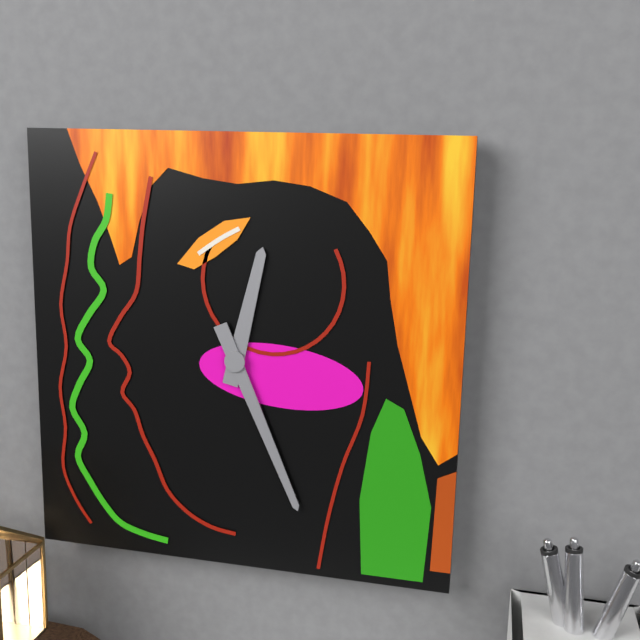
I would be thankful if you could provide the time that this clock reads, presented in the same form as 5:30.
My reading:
12:26
